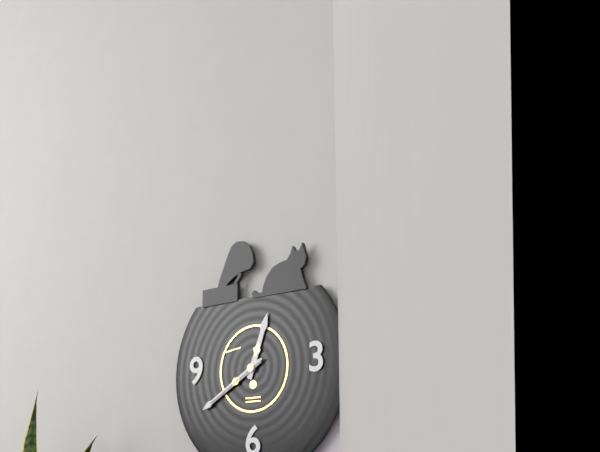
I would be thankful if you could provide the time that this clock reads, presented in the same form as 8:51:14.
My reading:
12:40:40
